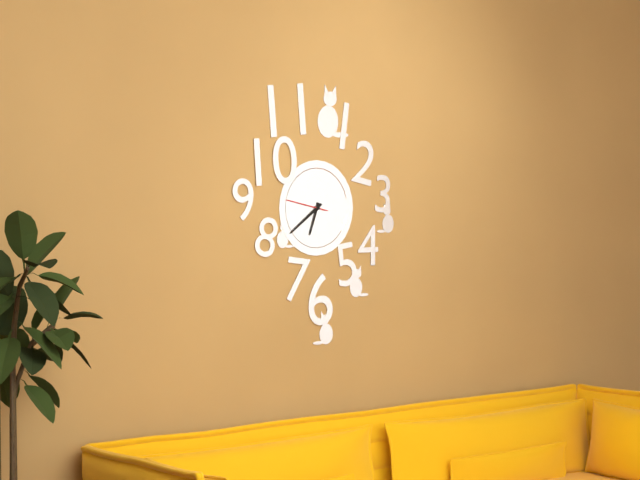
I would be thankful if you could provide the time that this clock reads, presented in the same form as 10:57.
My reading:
6:39
